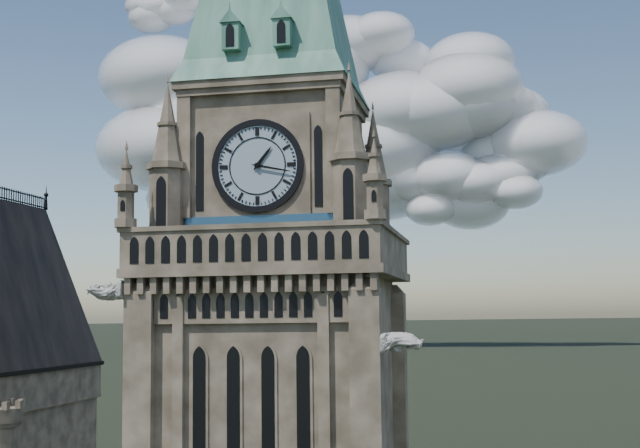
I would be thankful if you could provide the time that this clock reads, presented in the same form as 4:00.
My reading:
1:17
